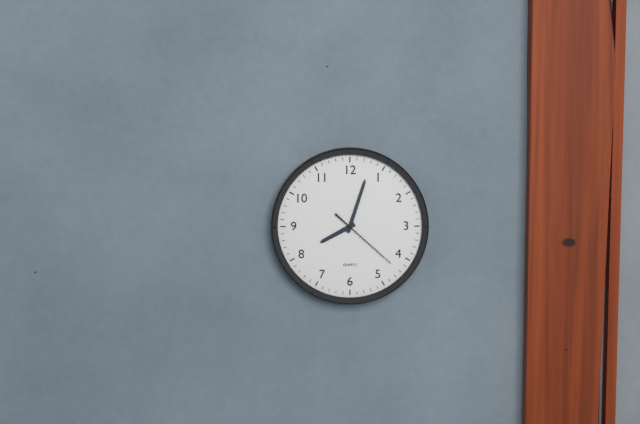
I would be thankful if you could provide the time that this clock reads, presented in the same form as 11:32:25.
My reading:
8:03:22
